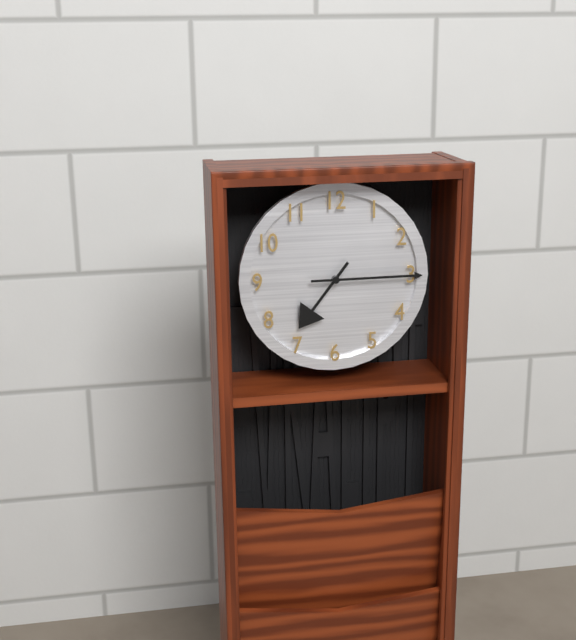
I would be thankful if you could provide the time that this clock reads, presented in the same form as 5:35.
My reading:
7:15
